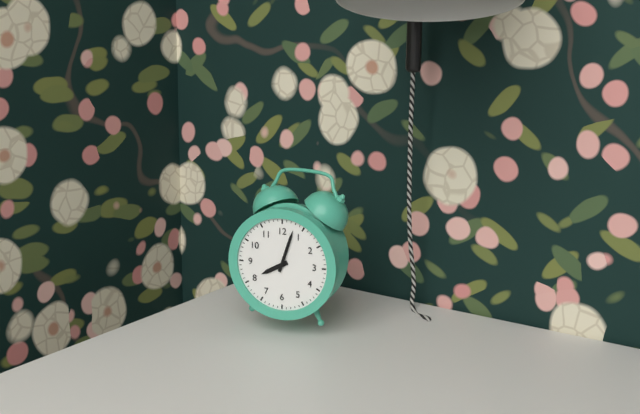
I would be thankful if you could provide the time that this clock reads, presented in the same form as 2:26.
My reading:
8:03
